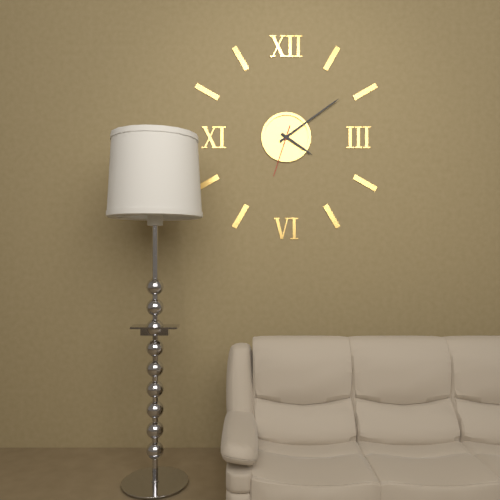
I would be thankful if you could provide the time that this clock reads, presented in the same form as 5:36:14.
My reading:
4:09:33
